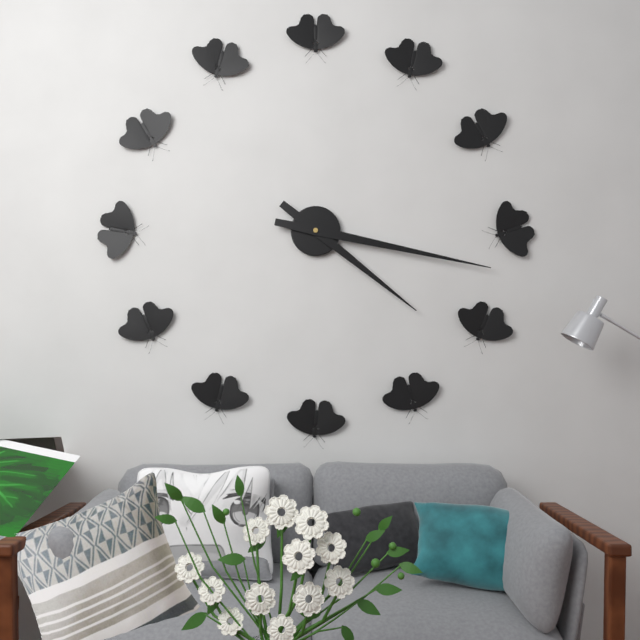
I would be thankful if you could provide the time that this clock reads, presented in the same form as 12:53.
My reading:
4:17
